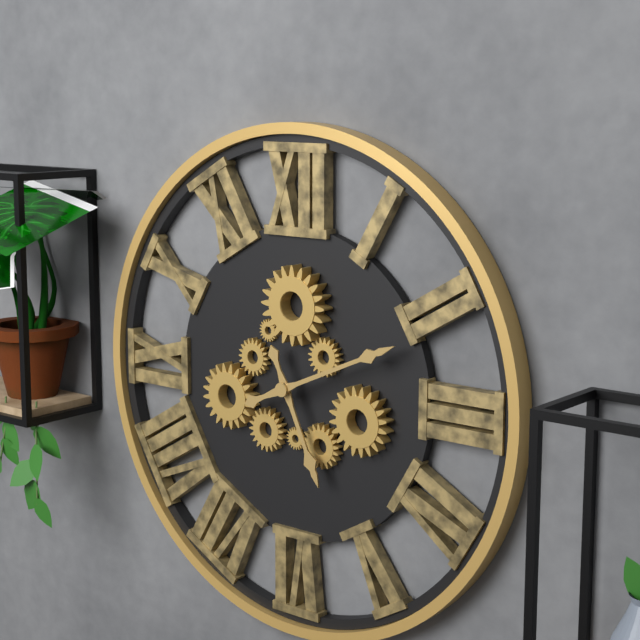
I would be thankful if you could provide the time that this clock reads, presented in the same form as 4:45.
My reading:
5:11
